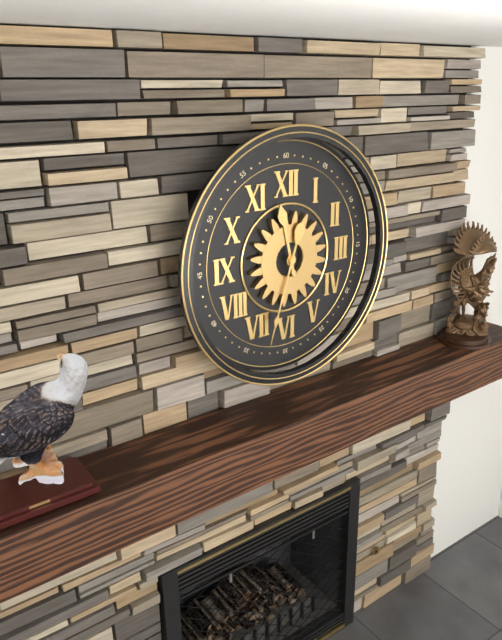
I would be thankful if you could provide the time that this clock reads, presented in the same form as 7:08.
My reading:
11:33
